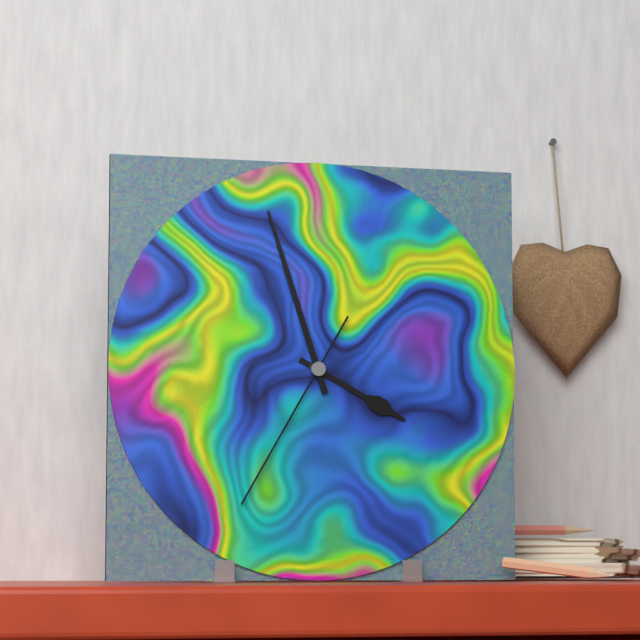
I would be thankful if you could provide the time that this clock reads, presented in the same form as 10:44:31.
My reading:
3:57:35
